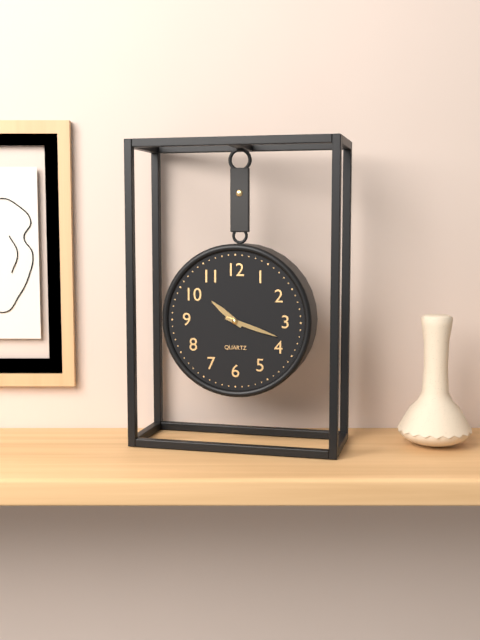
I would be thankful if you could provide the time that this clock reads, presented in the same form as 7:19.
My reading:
10:18
